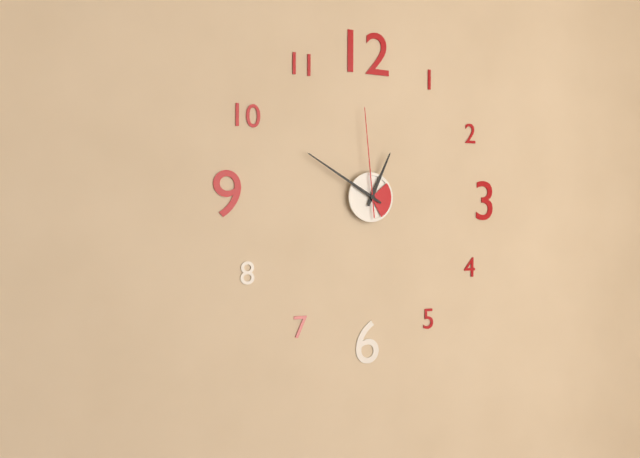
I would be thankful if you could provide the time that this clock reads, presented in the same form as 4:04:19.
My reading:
12:50:59
